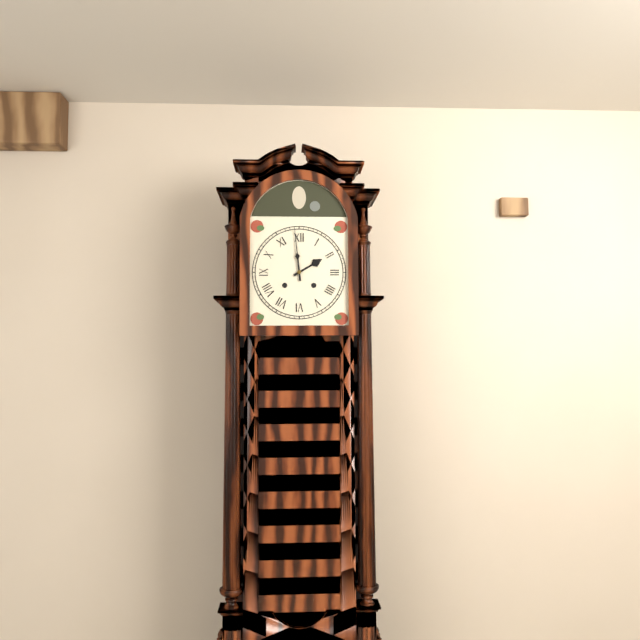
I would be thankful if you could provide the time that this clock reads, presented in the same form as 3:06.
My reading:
1:59
